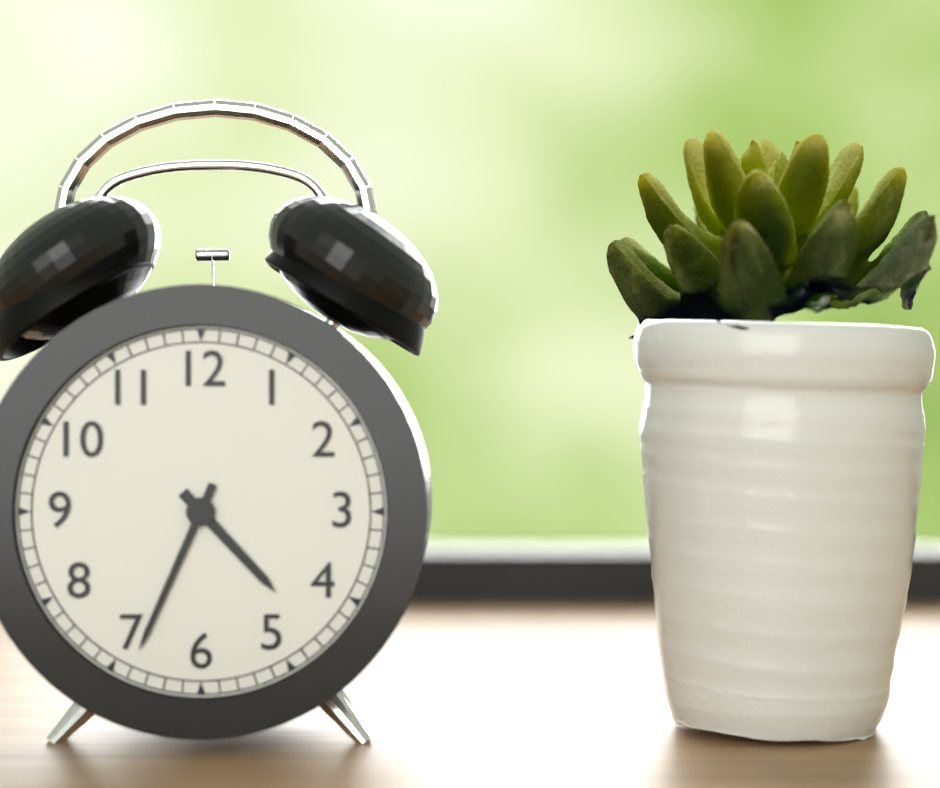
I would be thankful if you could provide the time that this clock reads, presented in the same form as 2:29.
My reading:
4:34
